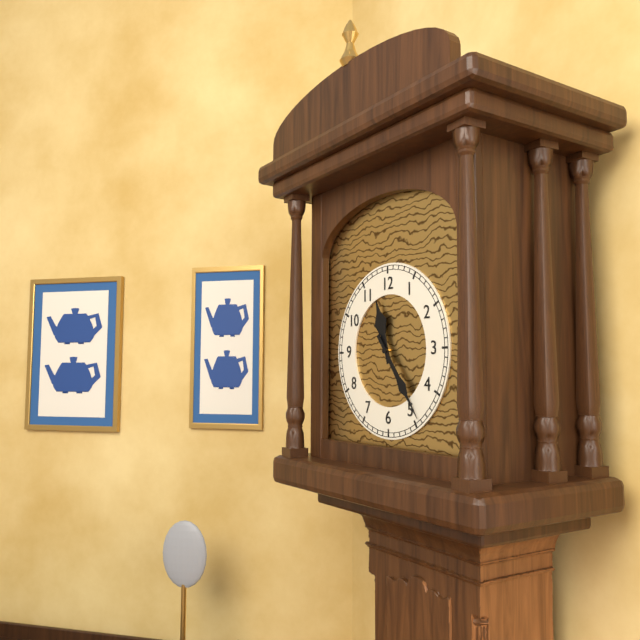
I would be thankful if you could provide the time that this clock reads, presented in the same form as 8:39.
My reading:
11:24
